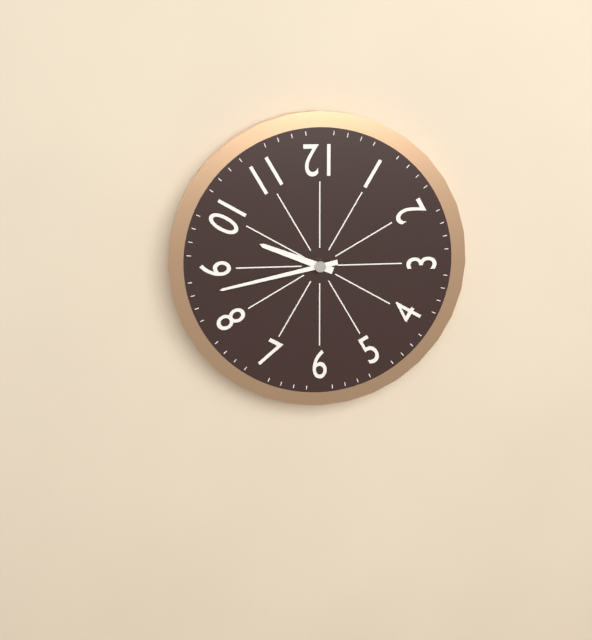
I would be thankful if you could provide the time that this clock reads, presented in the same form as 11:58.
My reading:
9:43
